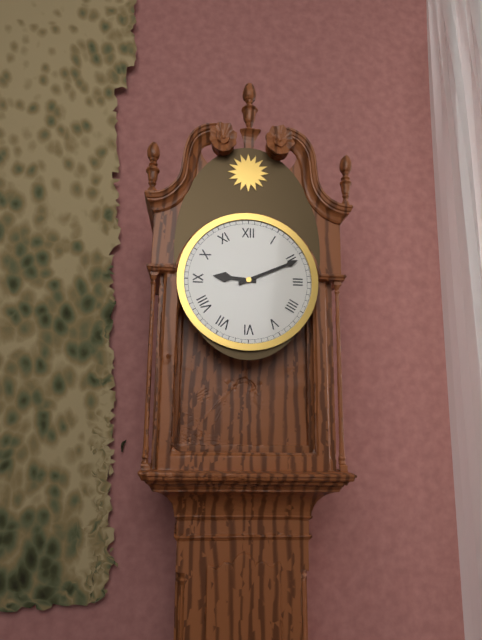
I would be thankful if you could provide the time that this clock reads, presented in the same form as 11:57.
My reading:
9:11
